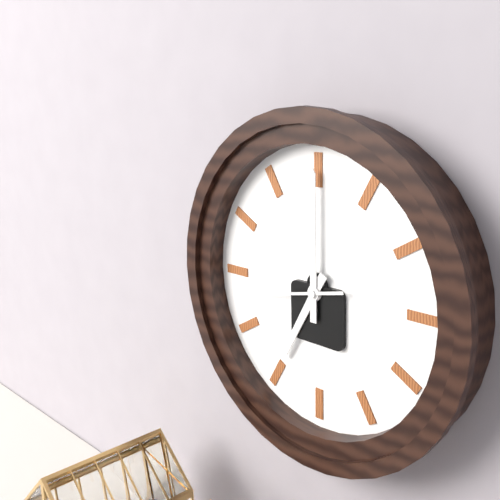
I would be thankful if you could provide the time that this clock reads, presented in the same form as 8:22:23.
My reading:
7:00:43
